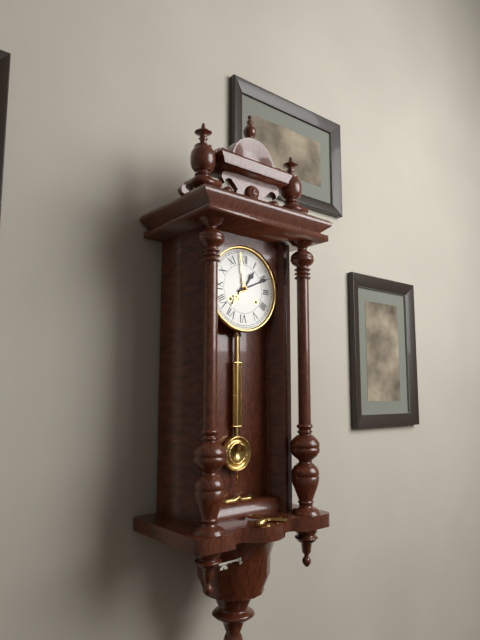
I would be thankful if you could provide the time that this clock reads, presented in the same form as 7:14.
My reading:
1:11
